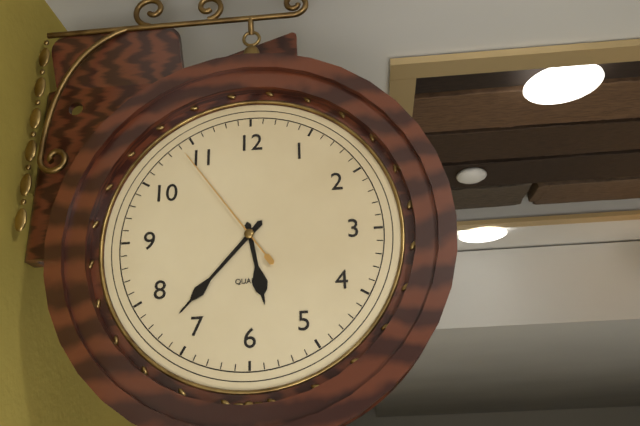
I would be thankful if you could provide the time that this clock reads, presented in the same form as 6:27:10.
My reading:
5:37:54
